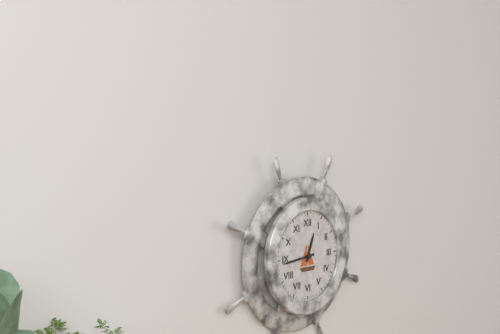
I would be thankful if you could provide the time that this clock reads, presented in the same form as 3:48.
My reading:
12:44
